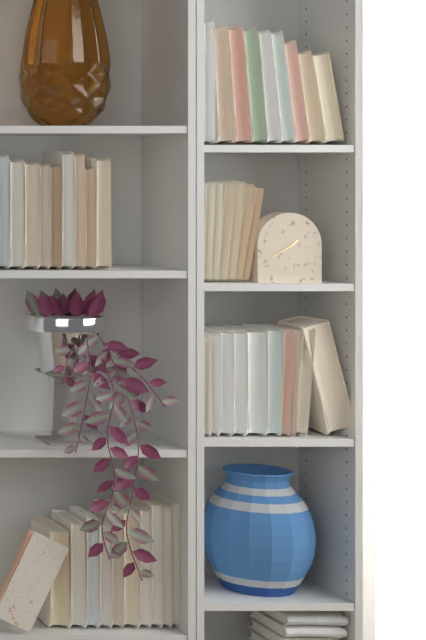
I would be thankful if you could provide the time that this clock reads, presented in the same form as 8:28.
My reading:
1:40
